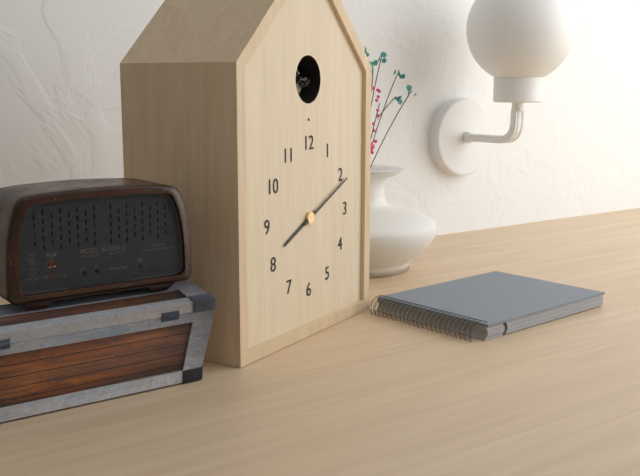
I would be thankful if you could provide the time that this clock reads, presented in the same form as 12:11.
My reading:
8:11
